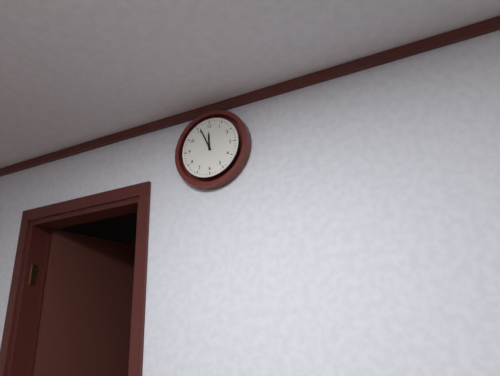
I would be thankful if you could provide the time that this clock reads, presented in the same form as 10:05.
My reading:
11:56
